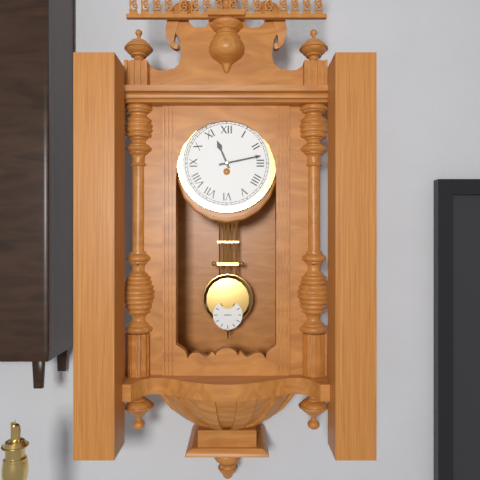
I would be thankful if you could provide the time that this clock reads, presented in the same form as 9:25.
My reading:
11:13
